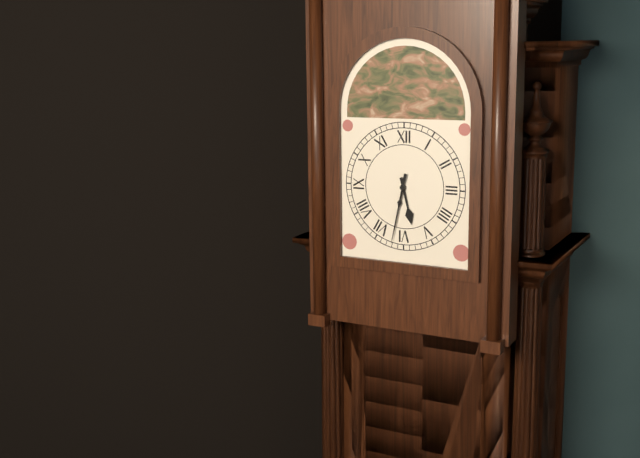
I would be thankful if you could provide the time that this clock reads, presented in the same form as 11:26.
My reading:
5:32
